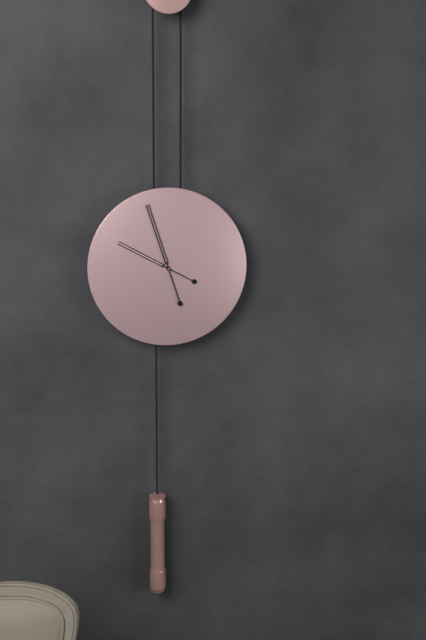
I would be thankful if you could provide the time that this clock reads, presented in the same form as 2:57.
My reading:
9:57
